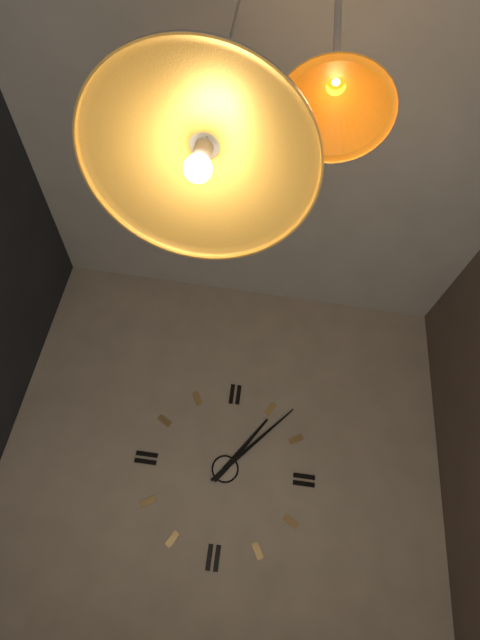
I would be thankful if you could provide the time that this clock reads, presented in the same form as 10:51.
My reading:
1:07
